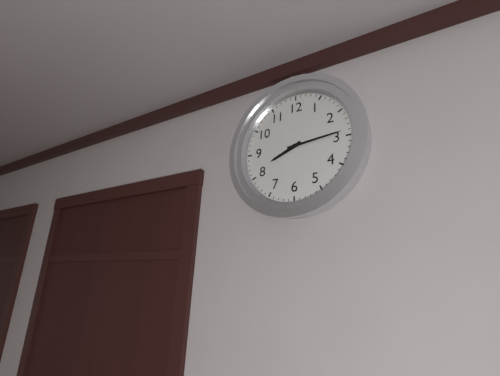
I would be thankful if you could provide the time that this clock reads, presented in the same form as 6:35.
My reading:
8:14
